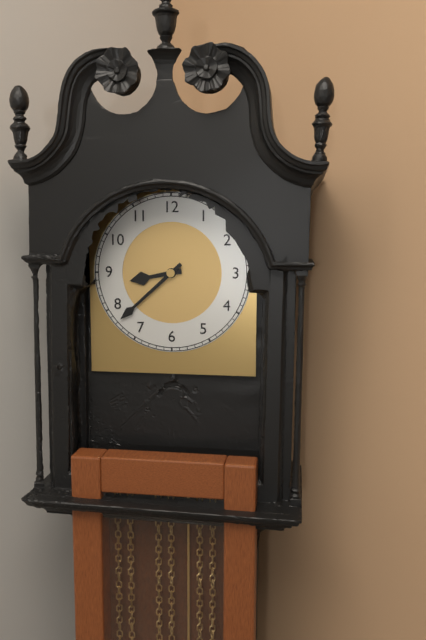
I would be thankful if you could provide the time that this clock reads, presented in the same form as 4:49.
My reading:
8:38
